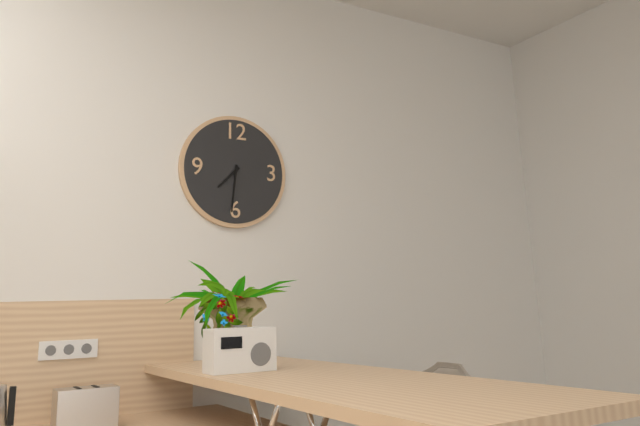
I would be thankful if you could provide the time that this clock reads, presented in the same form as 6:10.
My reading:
7:31
